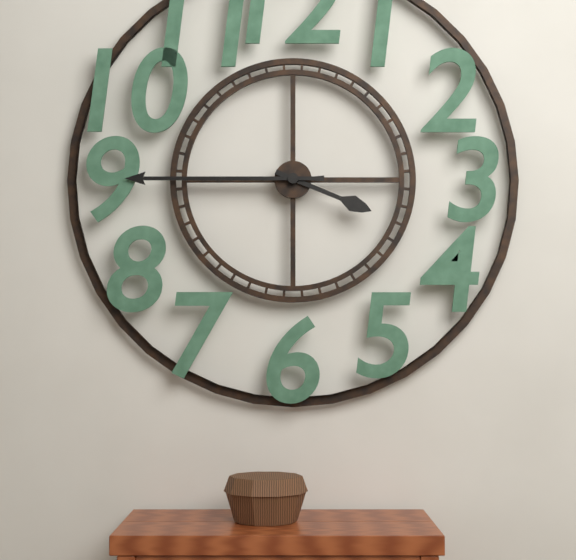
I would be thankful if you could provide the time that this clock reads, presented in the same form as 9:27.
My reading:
3:45
